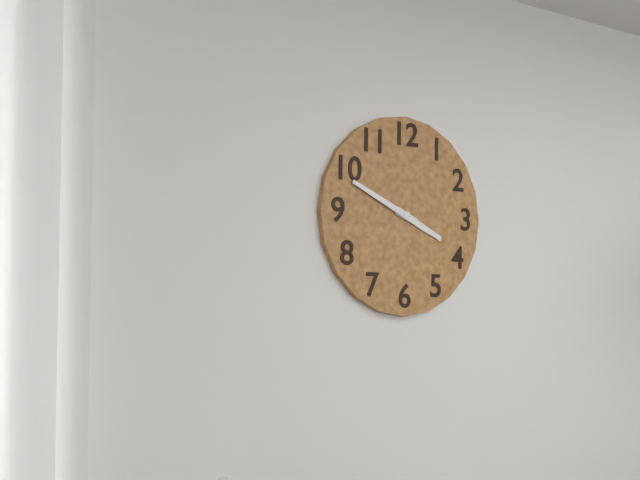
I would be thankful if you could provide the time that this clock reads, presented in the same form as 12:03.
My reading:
3:49
